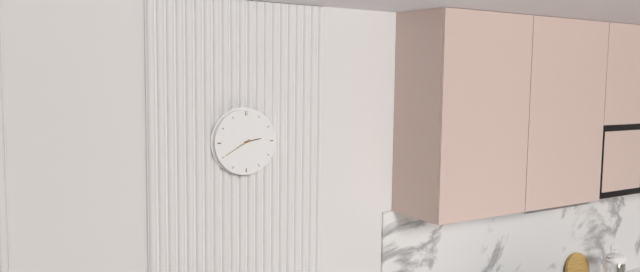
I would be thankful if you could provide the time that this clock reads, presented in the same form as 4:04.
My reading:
2:40
